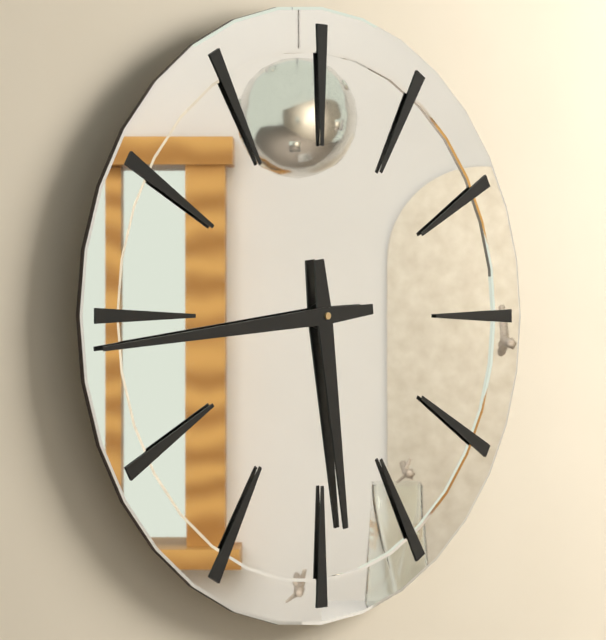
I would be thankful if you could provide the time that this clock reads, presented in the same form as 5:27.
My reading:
5:44
